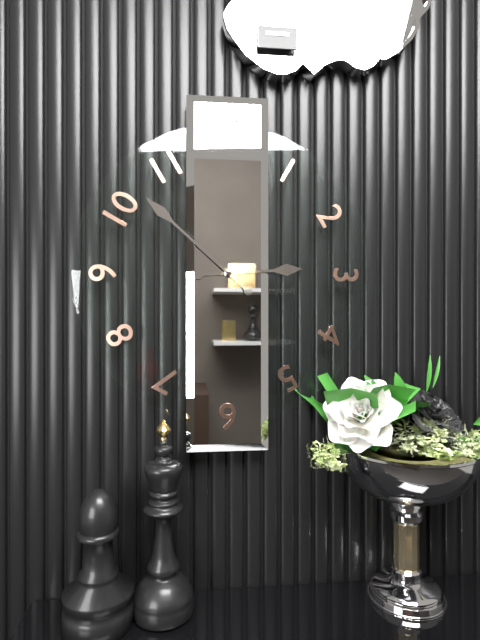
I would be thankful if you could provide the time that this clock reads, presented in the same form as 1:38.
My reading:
2:52
